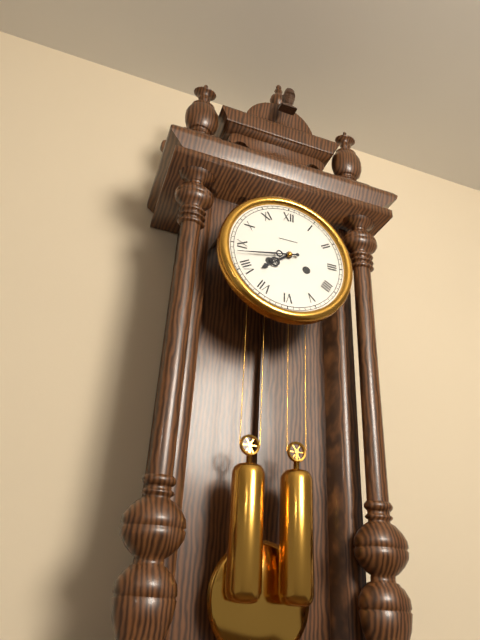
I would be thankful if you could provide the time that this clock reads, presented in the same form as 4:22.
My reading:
7:43
